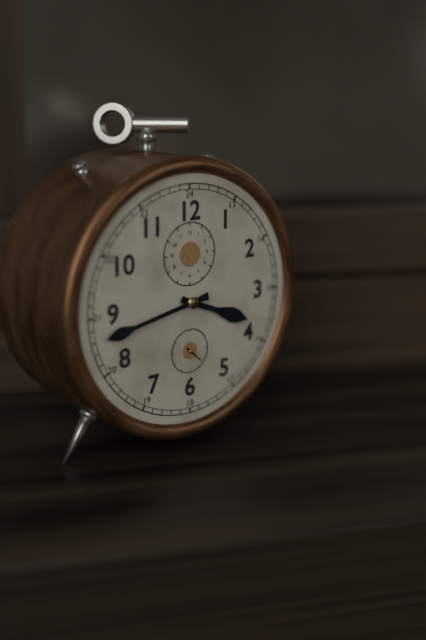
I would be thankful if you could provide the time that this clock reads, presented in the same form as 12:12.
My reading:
3:43
